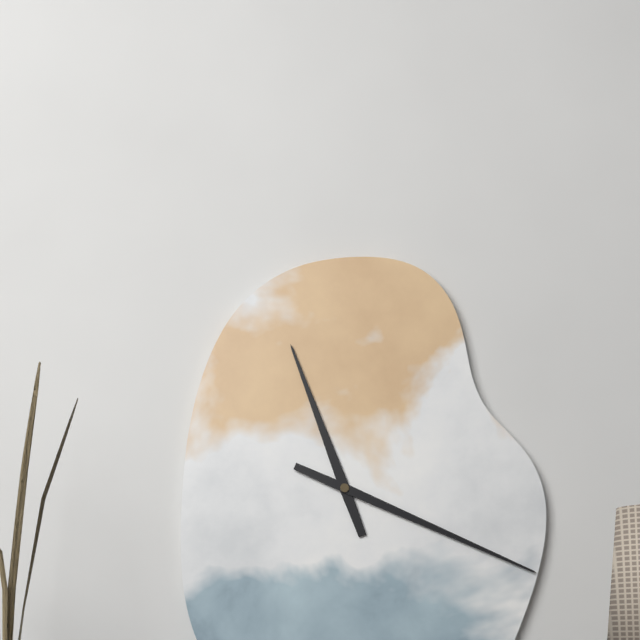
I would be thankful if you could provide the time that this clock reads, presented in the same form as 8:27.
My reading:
11:19
